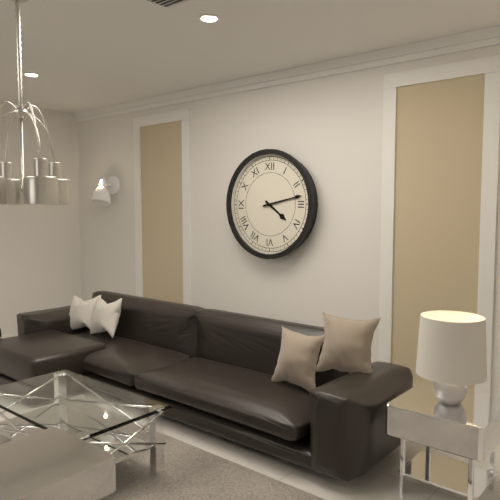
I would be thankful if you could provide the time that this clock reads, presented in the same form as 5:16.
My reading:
4:13
